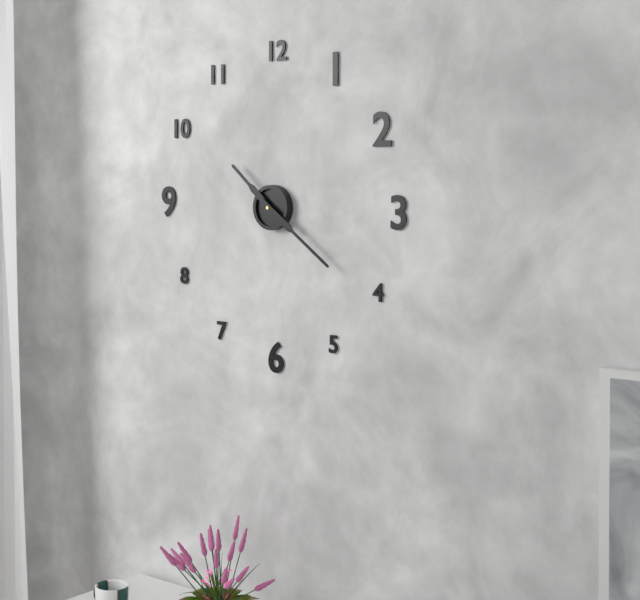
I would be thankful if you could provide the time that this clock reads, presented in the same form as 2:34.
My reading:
10:21
